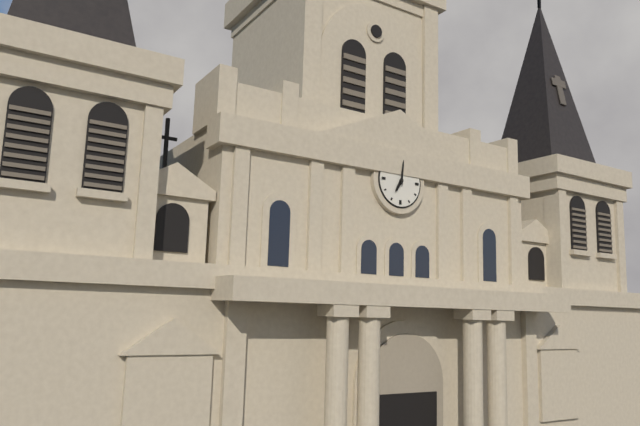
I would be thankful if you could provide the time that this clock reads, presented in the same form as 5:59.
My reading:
7:01
